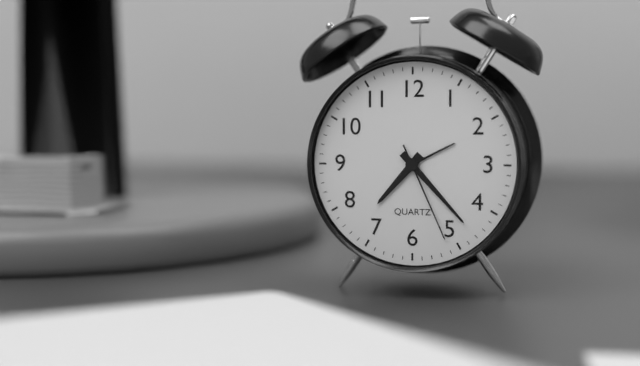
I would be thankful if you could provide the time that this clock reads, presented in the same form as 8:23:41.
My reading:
7:23:26
